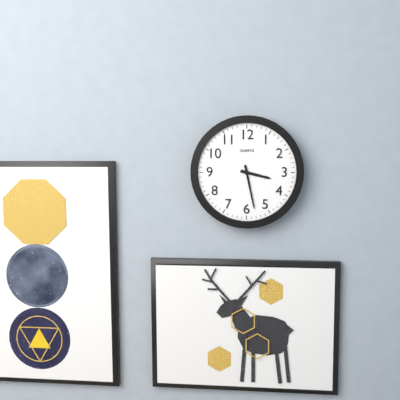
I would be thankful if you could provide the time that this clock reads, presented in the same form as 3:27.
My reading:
3:28
